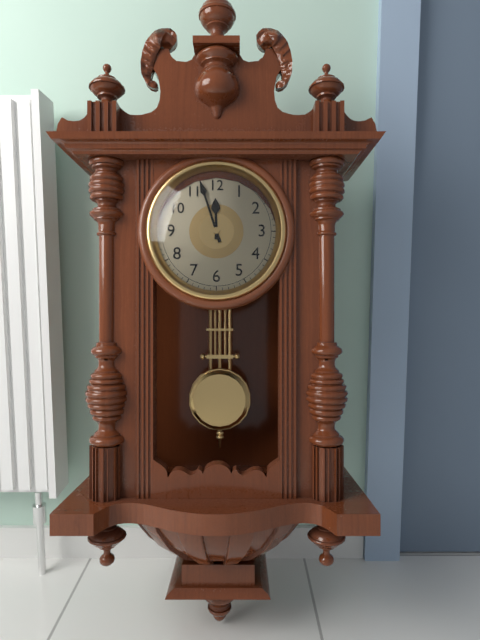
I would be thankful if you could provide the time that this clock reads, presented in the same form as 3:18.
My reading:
11:57
